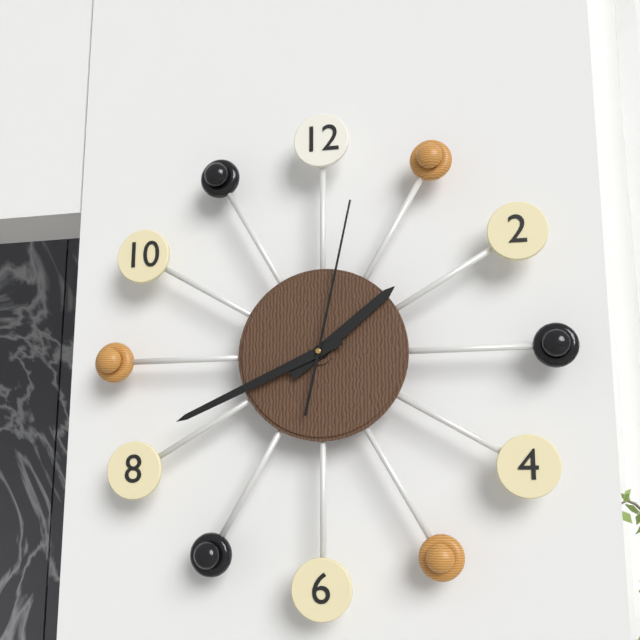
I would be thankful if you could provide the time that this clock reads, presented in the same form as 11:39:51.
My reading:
1:41:02
